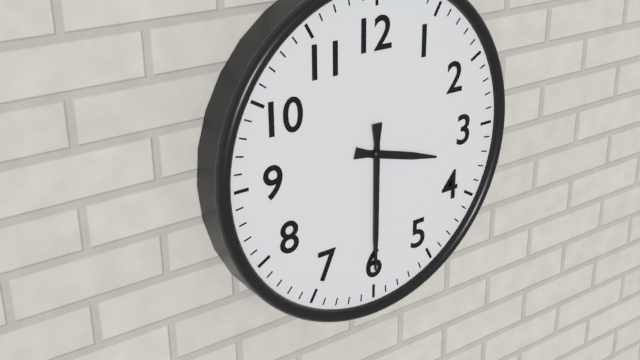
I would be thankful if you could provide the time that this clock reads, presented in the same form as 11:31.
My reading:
3:30
